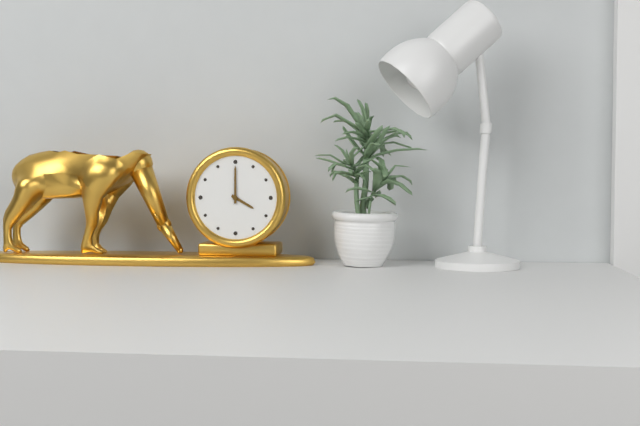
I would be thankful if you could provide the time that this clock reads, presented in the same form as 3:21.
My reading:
4:00
